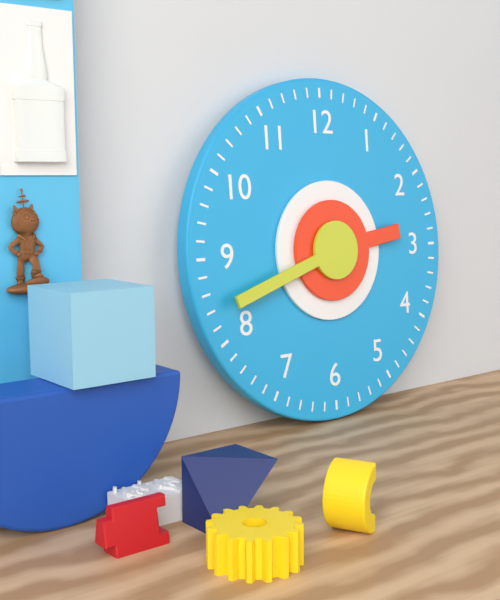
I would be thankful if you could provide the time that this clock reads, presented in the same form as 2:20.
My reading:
2:42
